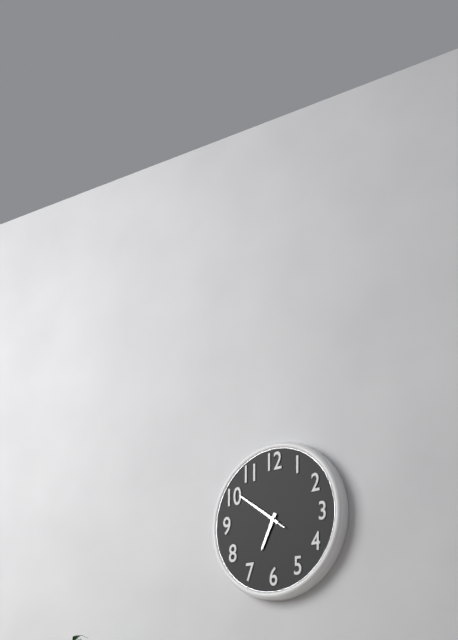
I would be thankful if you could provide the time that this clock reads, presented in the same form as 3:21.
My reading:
6:51
